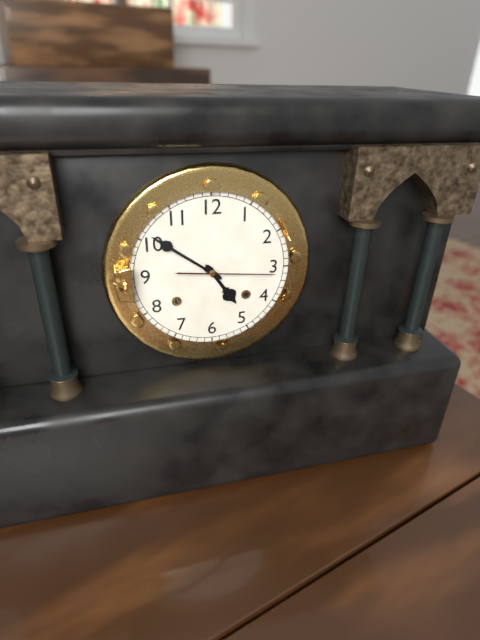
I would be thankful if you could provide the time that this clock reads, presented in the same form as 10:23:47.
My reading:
4:51:16
